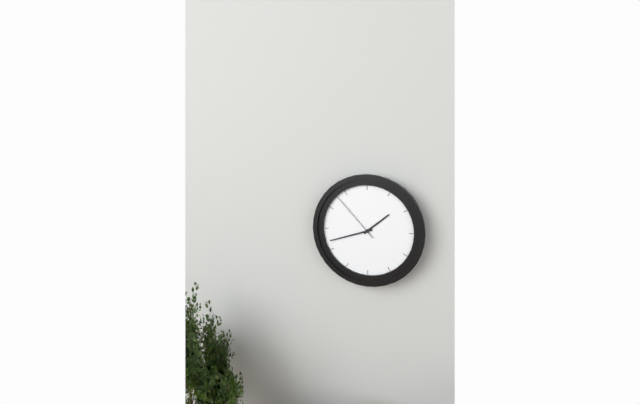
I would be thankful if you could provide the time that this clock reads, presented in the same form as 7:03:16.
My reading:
1:42:53
